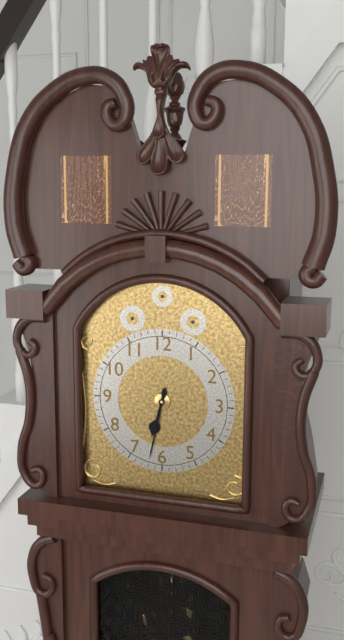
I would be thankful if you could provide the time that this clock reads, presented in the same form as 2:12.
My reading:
6:32
